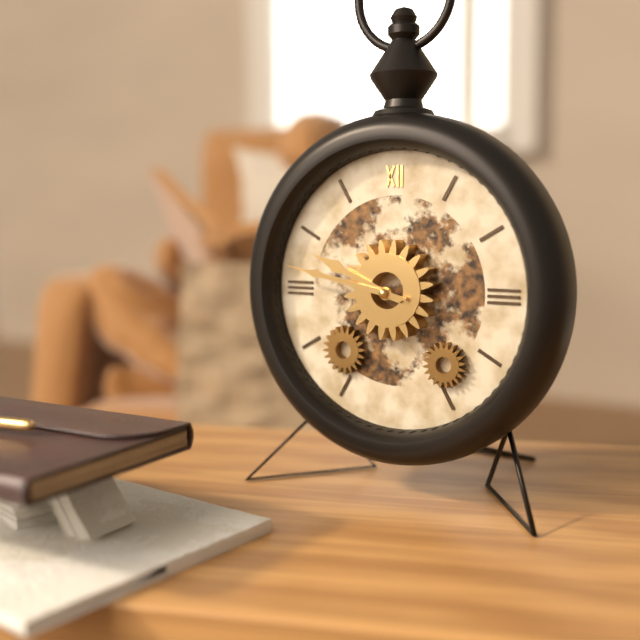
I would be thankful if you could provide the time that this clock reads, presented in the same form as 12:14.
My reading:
9:47
